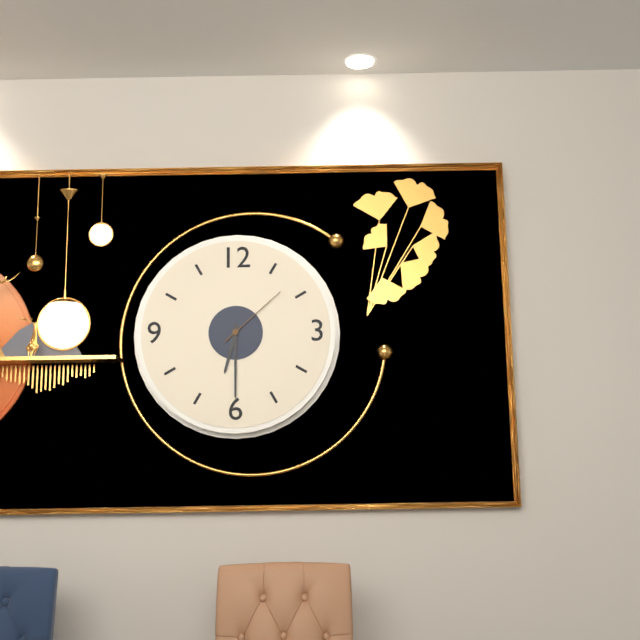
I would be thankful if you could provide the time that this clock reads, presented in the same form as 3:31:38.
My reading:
6:30:08
